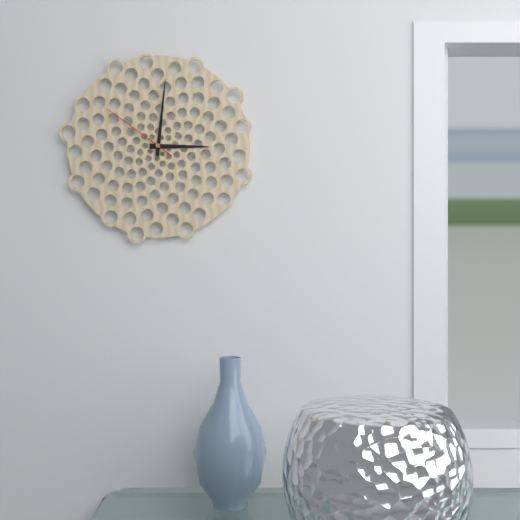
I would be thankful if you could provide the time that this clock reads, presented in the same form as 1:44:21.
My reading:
3:01:51
